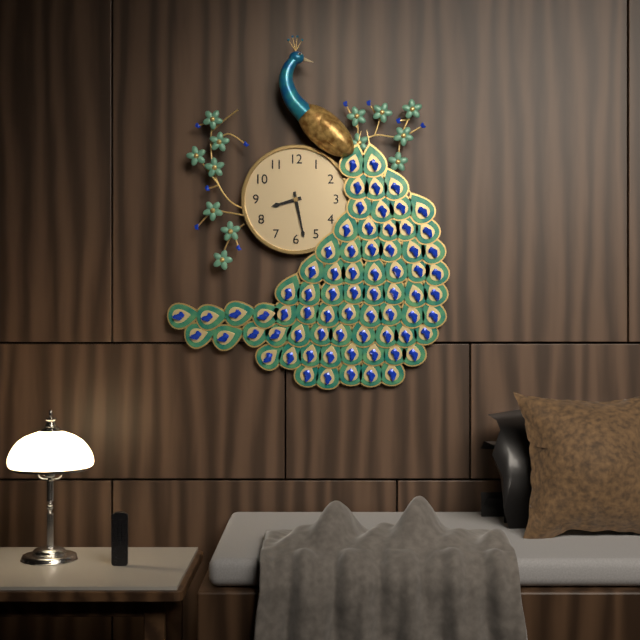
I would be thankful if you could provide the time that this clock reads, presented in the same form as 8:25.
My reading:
8:28
